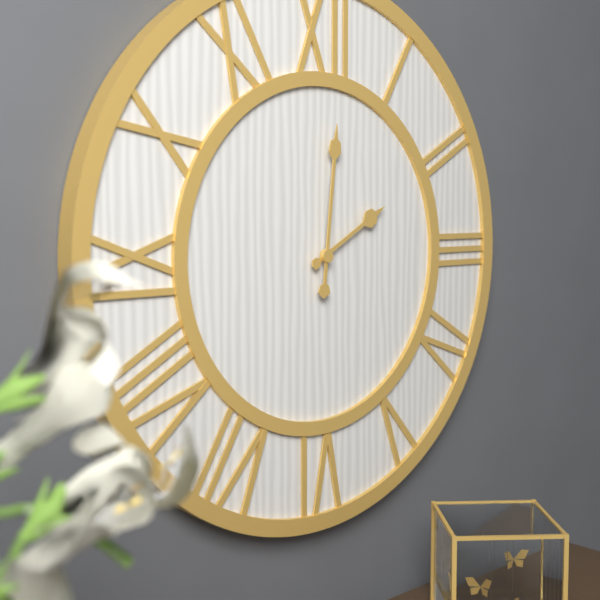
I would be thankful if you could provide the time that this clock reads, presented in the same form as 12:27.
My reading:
2:01
